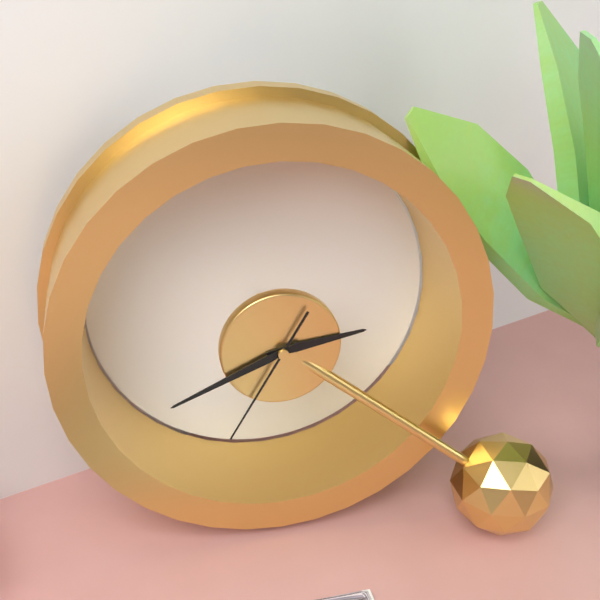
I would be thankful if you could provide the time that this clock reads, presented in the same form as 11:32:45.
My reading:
2:41:35
